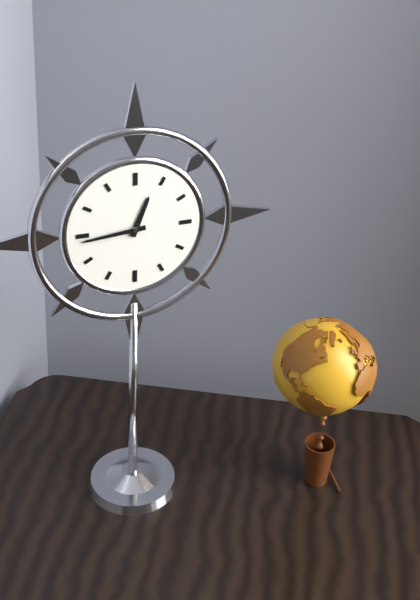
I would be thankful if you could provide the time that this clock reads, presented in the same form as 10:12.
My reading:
12:44
